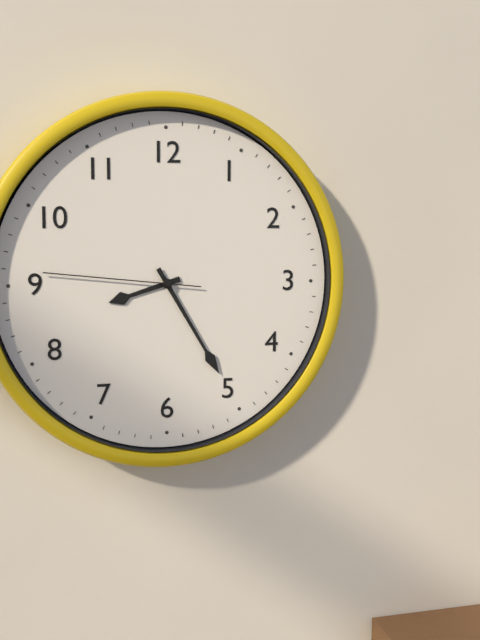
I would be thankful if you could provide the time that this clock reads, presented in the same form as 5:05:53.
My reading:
8:25:46
